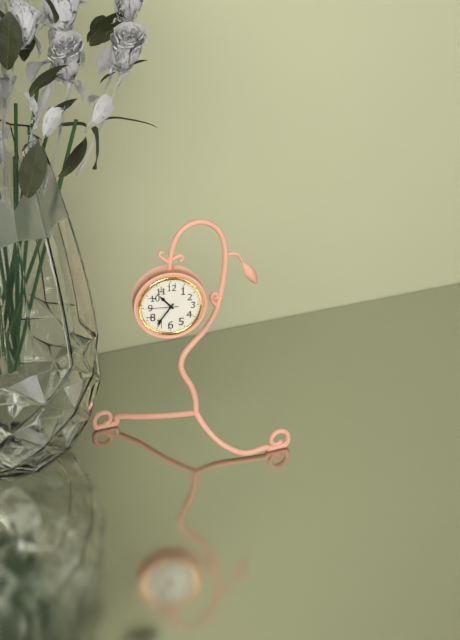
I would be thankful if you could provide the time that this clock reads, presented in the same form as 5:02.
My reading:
10:36
